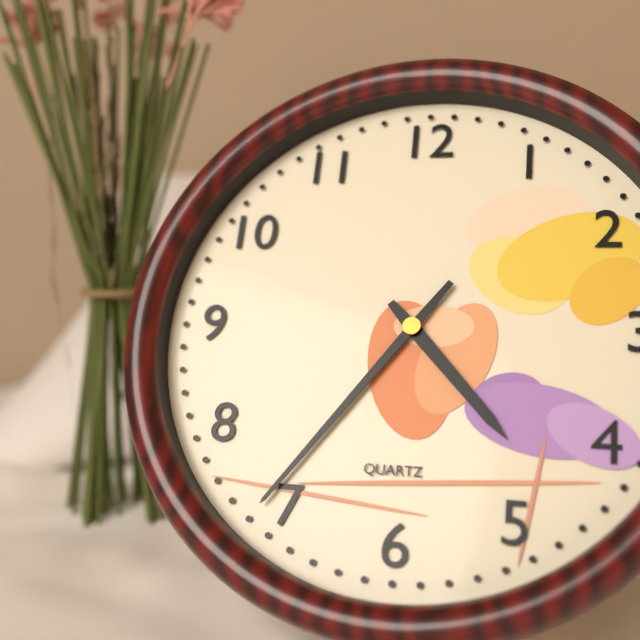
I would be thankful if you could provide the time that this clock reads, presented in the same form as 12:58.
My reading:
4:36
